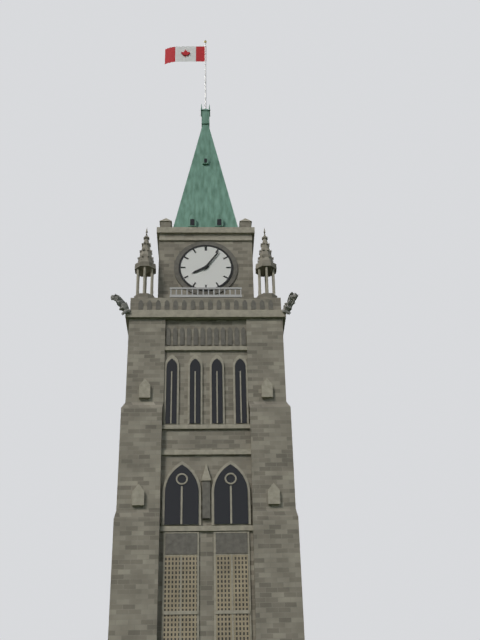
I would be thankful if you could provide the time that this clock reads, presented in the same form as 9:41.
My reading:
8:06
